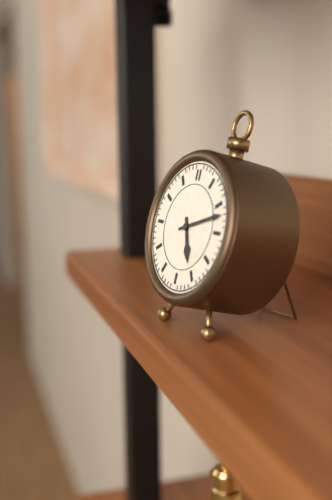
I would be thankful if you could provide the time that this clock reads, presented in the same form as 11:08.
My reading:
5:12
